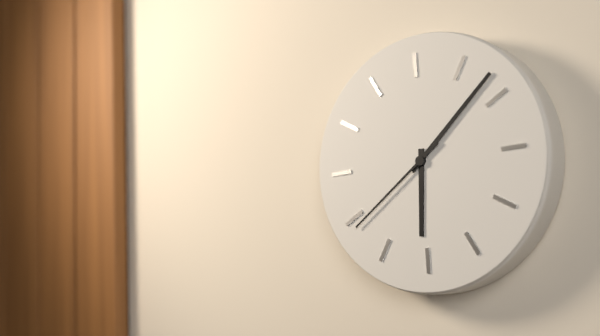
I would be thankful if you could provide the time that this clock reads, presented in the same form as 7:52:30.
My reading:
6:08:39
